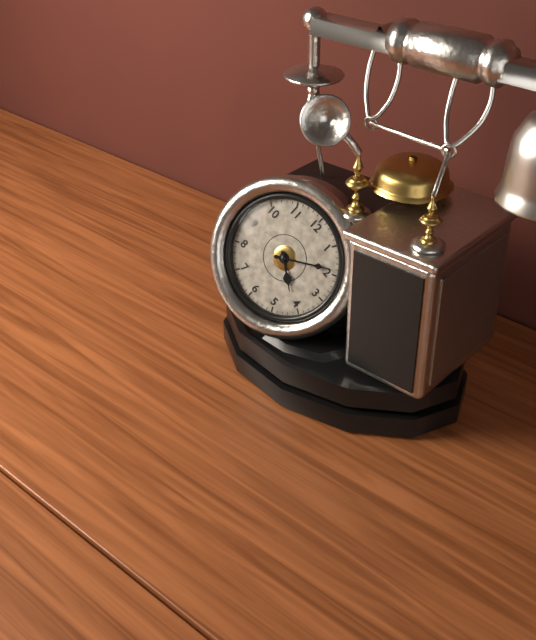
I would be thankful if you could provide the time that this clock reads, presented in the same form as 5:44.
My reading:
4:09
